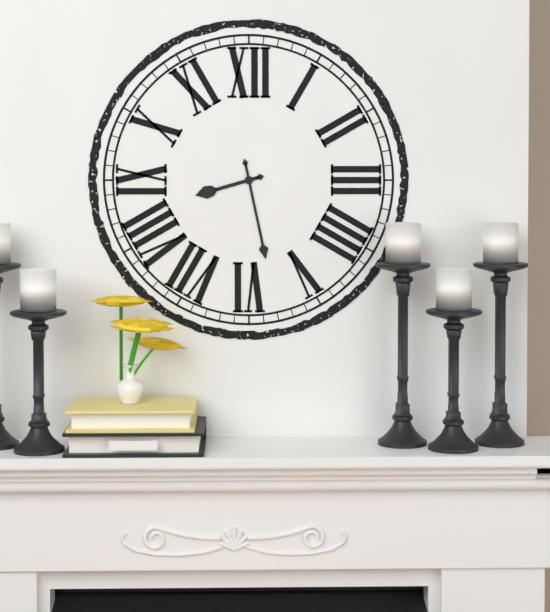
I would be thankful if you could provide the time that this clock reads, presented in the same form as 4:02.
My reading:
8:28
